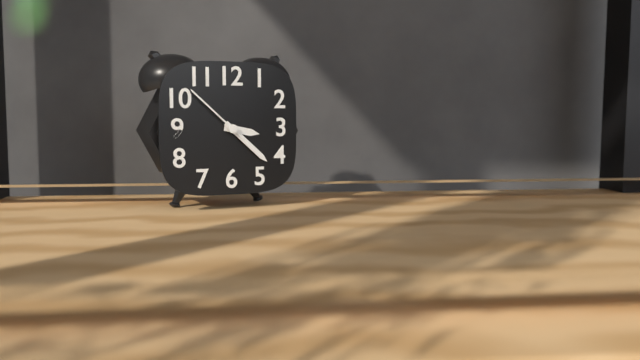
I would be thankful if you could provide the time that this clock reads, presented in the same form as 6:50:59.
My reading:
3:22:52
